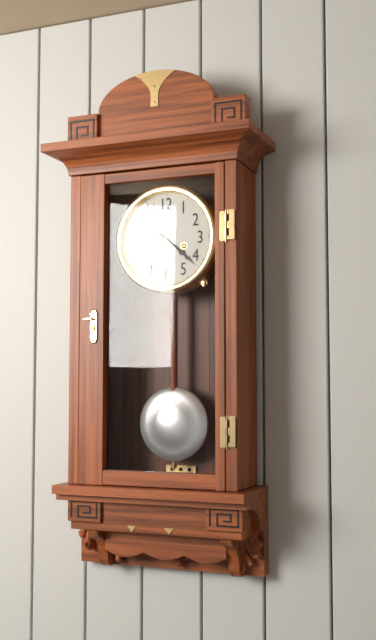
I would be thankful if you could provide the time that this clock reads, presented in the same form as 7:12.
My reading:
4:22
